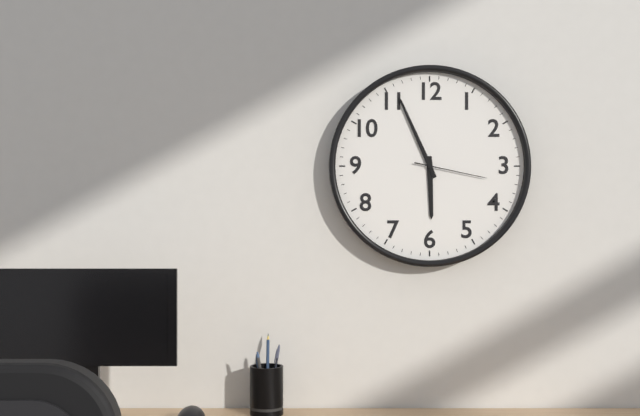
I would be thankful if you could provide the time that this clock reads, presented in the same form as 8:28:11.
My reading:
5:56:17
